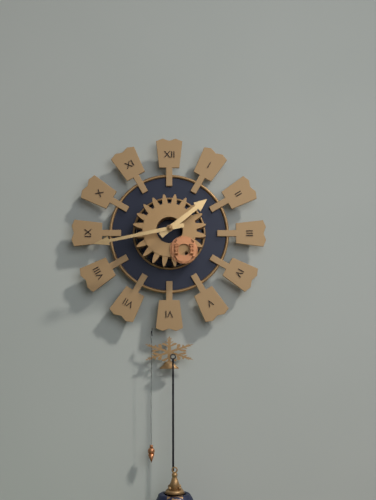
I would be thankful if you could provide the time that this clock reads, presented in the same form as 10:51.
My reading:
1:43
